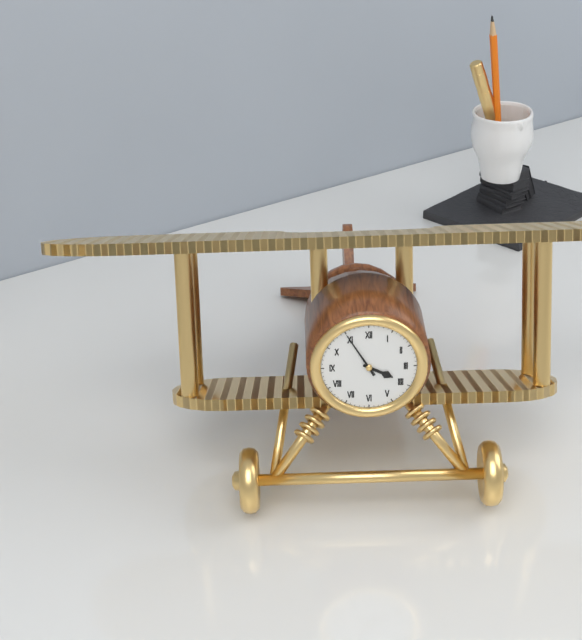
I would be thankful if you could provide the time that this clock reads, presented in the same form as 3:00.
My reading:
3:55
